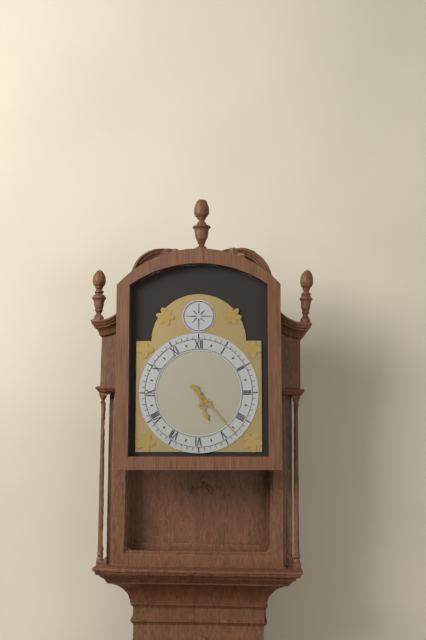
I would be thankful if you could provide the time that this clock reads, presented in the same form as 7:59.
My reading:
5:23
